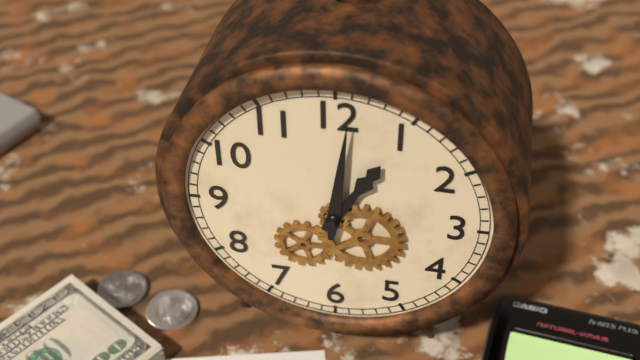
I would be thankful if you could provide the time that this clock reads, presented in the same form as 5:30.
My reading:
1:01
